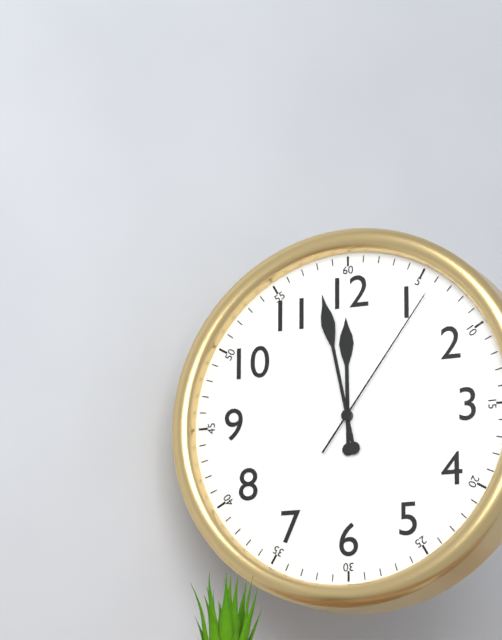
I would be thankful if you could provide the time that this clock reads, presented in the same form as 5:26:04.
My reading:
11:58:06
